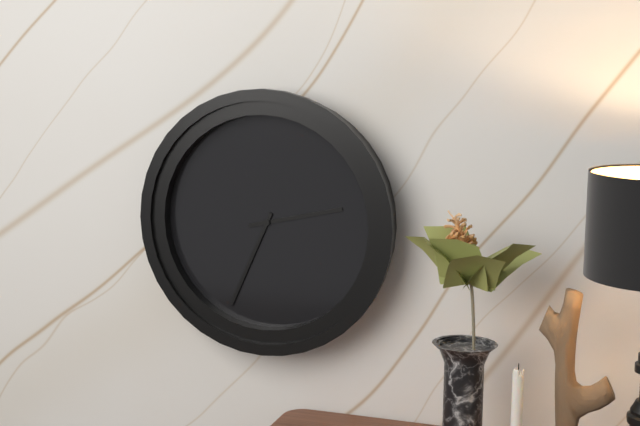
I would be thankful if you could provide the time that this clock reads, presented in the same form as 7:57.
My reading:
2:34
